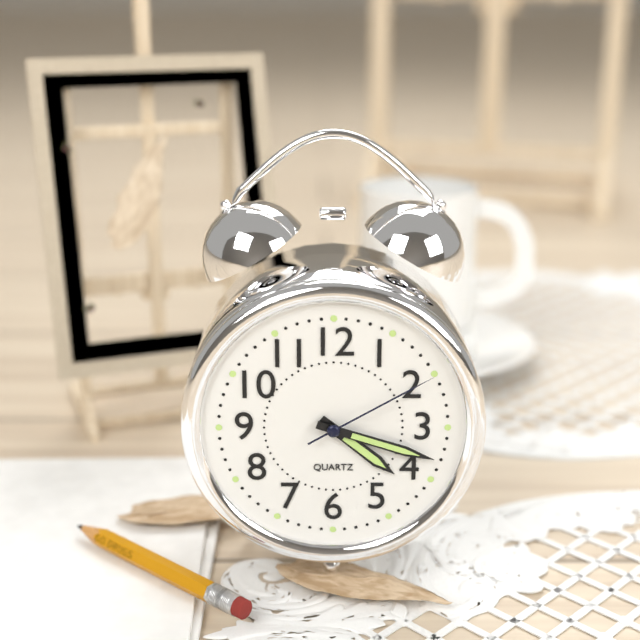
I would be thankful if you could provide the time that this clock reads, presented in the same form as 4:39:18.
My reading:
4:18:10
